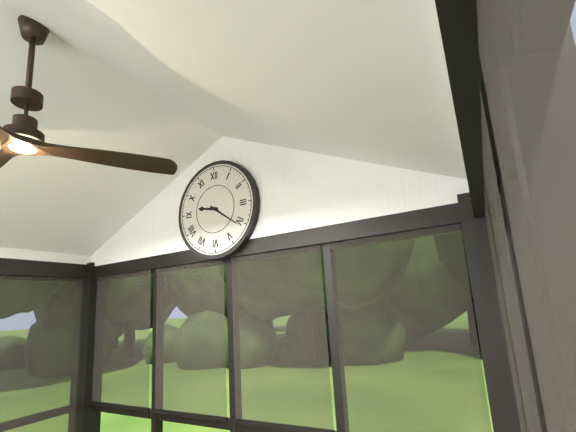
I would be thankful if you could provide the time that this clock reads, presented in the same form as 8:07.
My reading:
9:21
